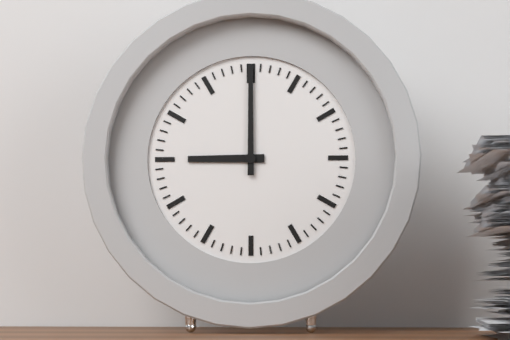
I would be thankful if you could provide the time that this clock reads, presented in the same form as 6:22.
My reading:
9:00
